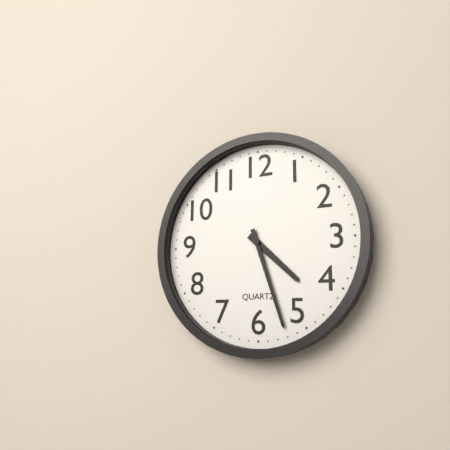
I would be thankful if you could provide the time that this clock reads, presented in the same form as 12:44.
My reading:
4:27
